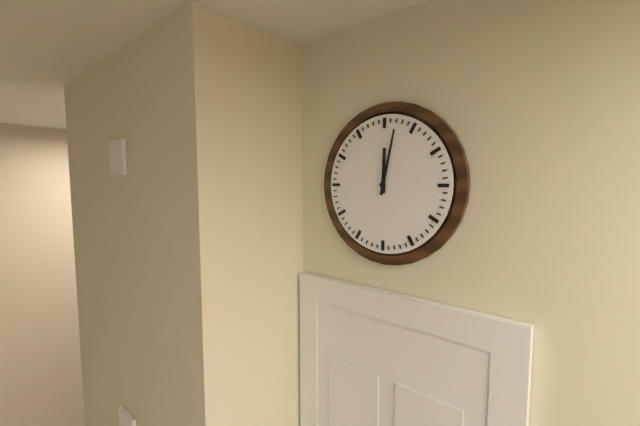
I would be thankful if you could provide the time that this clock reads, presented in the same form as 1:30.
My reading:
12:02
